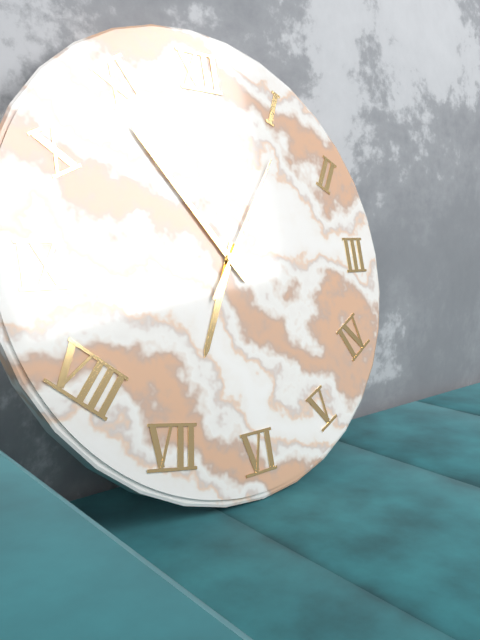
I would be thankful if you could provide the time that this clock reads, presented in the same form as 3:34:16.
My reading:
6:54:06
